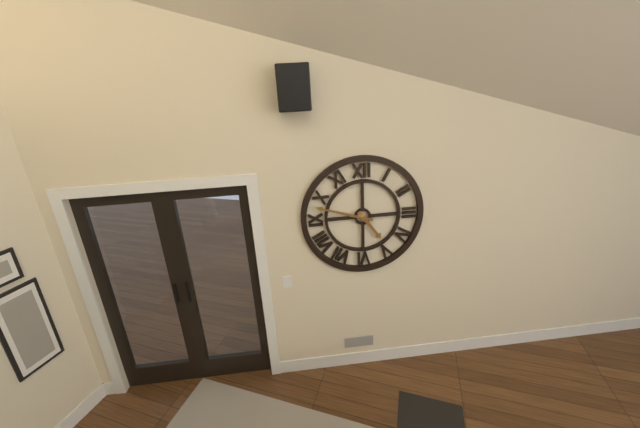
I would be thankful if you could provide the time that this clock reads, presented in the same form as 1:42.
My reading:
4:48
